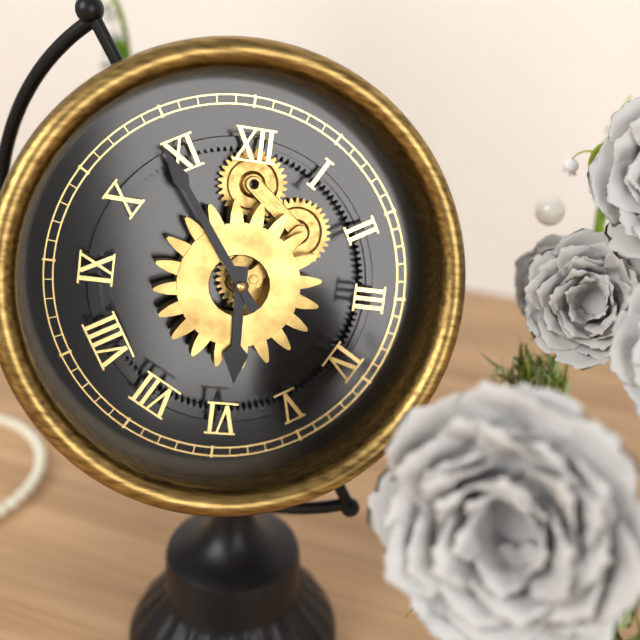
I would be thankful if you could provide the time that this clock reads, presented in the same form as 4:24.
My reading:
5:54
